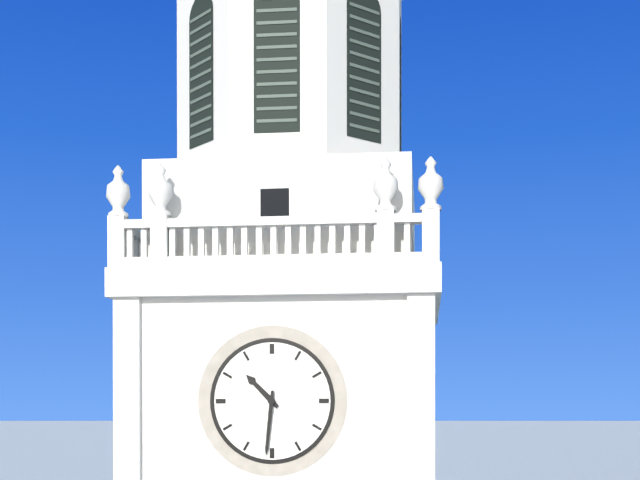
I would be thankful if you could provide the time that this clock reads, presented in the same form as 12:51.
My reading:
10:31
